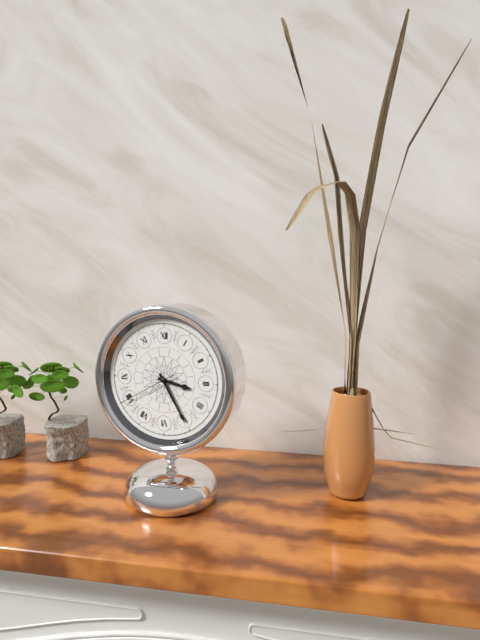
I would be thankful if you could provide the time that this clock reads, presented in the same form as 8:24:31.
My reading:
3:25:40
